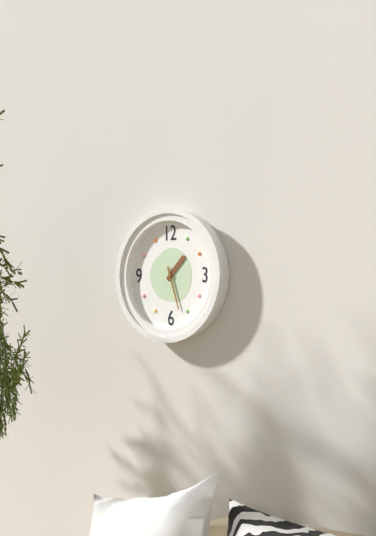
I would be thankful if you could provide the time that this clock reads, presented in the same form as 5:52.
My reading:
1:27
